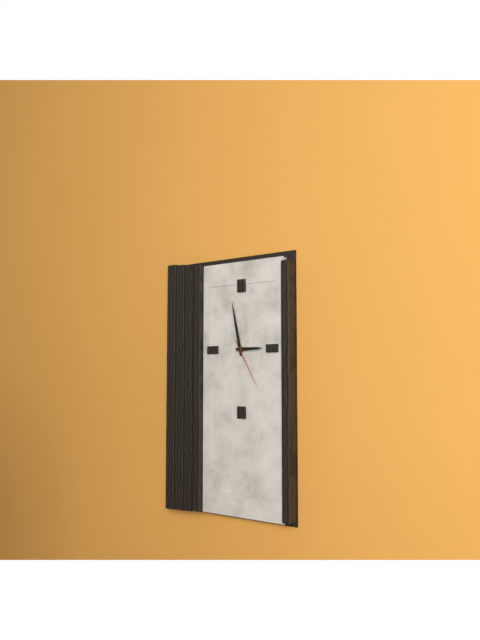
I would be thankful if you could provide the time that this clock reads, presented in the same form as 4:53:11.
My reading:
2:58:25
